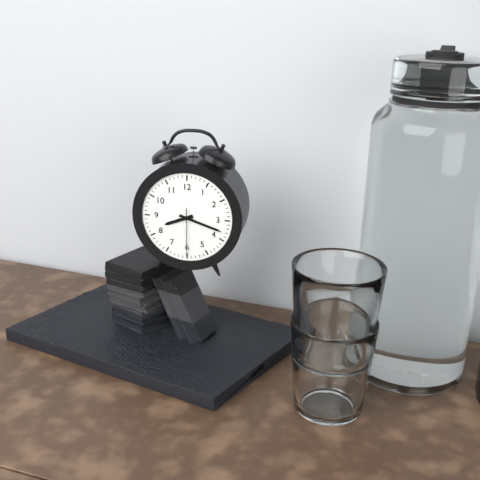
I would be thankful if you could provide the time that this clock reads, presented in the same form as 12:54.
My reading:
8:18
